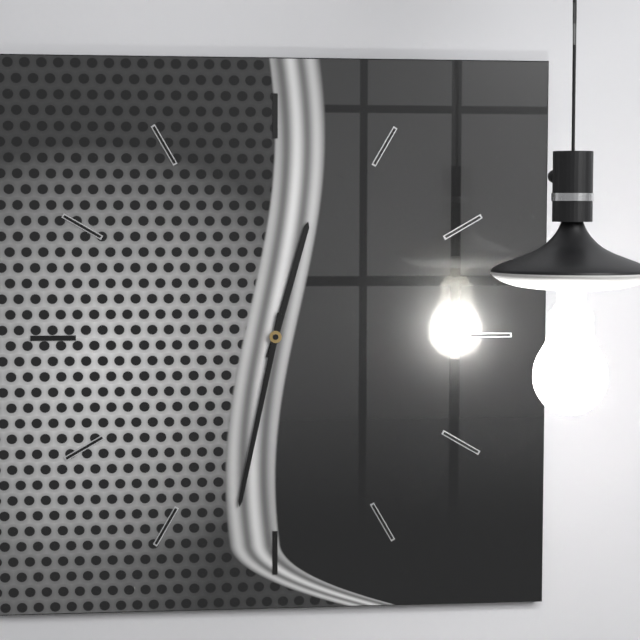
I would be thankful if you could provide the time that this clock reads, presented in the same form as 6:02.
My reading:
12:32
